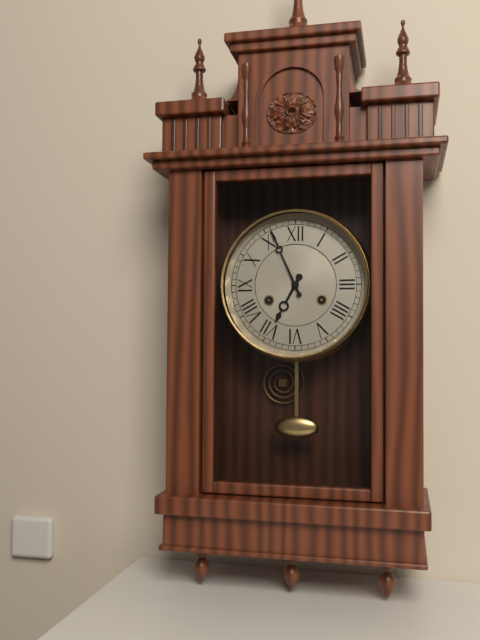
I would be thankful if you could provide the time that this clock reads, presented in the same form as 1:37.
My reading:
6:56
